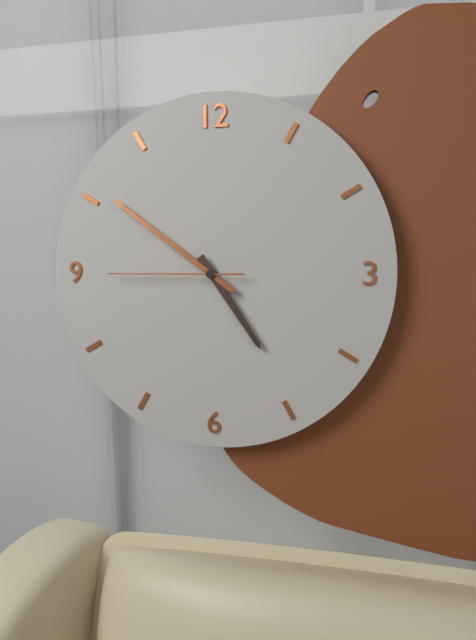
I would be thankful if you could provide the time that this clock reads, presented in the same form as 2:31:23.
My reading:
4:51:45
